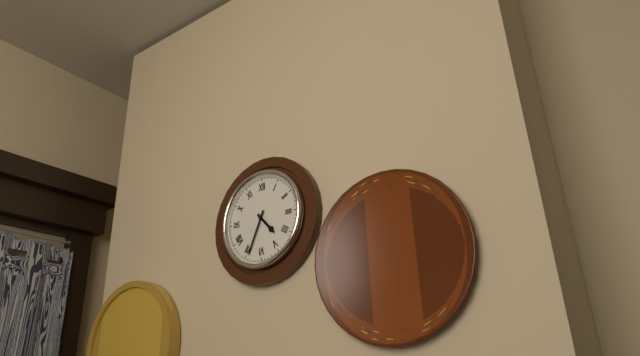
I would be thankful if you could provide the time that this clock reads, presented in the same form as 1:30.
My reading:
4:34
